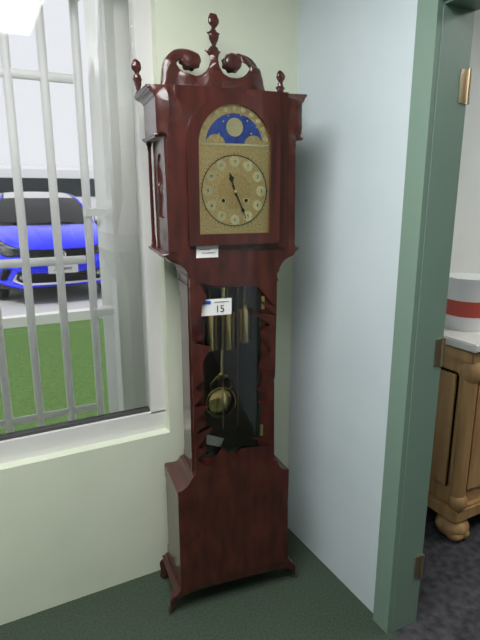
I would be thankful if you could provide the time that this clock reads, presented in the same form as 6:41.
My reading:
11:26
